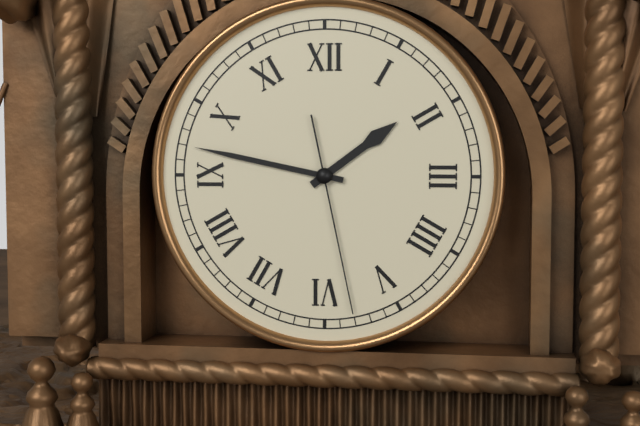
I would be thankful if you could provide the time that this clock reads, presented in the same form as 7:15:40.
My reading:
1:47:28
